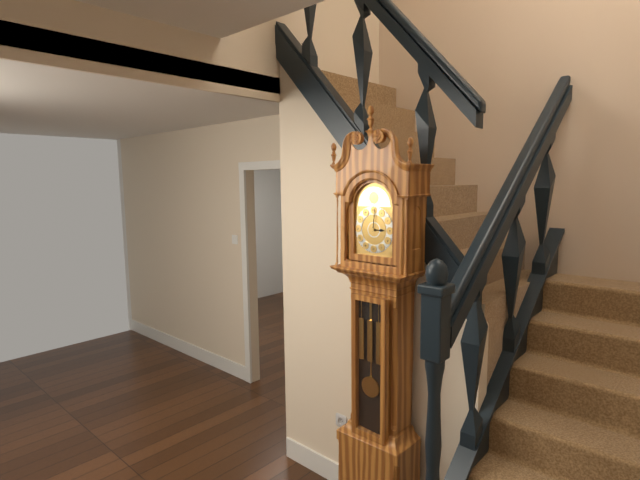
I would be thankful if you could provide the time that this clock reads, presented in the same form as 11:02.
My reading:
3:01
